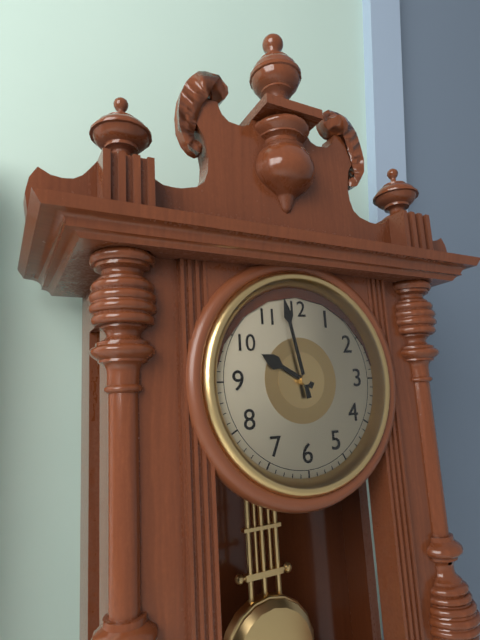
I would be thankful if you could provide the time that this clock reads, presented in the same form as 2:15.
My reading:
9:58
